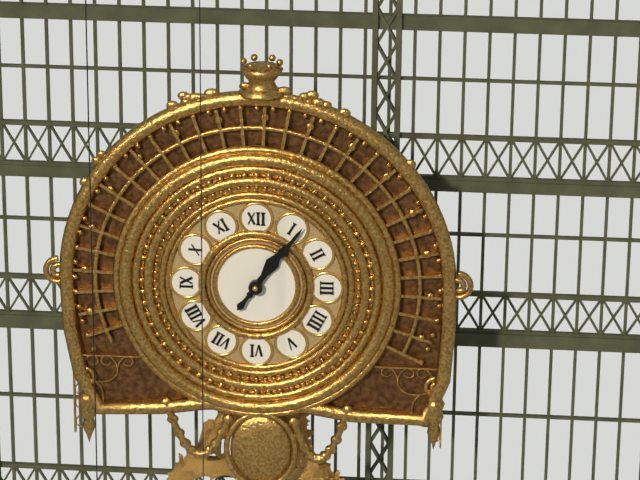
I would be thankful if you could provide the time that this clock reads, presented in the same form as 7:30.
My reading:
1:06
